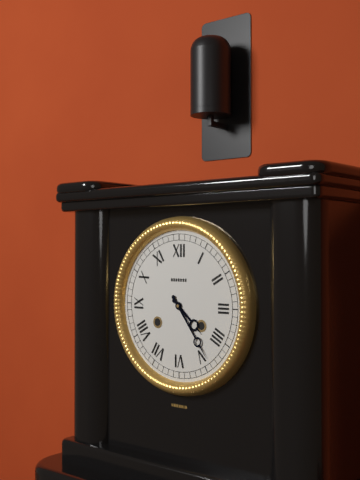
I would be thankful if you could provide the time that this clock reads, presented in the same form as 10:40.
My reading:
4:24
